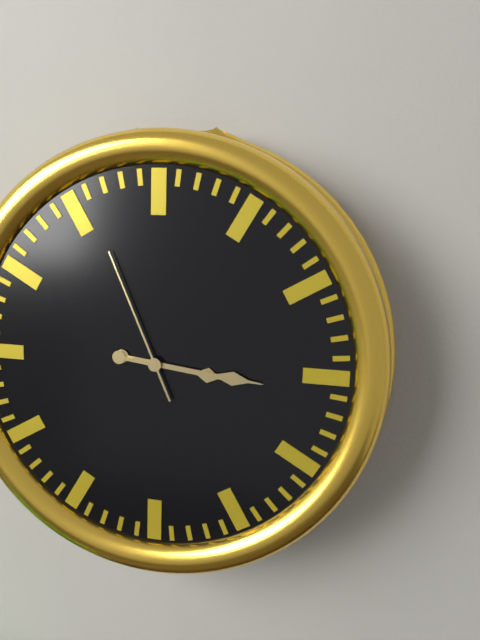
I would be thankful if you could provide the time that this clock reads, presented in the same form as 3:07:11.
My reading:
3:16:56
